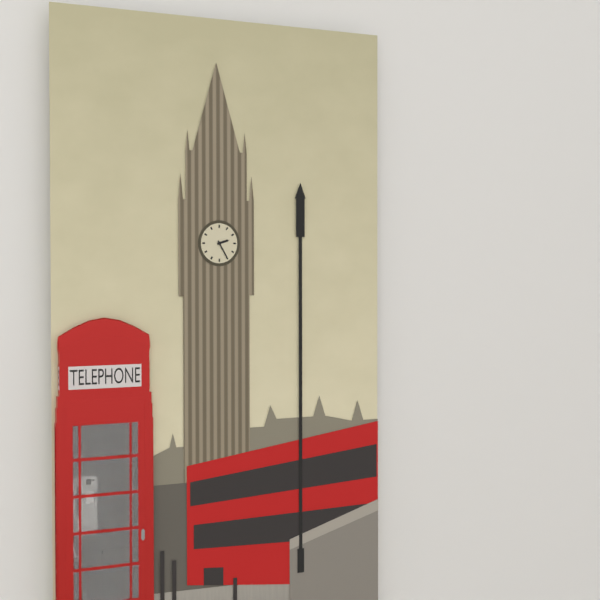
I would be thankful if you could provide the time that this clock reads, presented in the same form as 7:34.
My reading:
2:25
